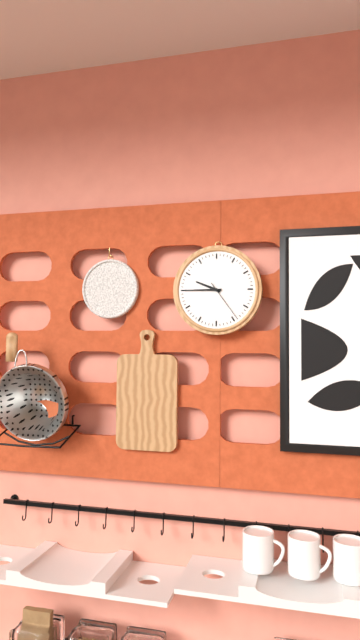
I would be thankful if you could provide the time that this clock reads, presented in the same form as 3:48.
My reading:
9:45
